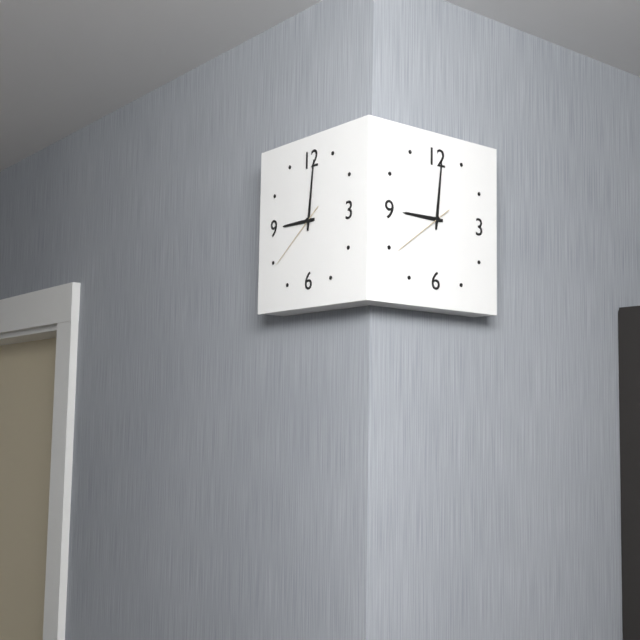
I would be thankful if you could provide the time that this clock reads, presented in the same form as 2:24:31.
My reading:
9:01:39
